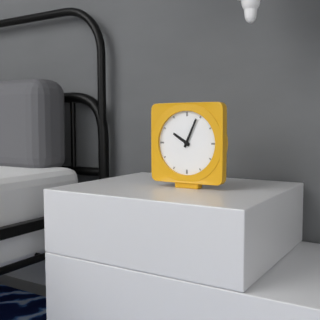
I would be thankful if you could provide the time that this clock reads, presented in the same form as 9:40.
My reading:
10:04
